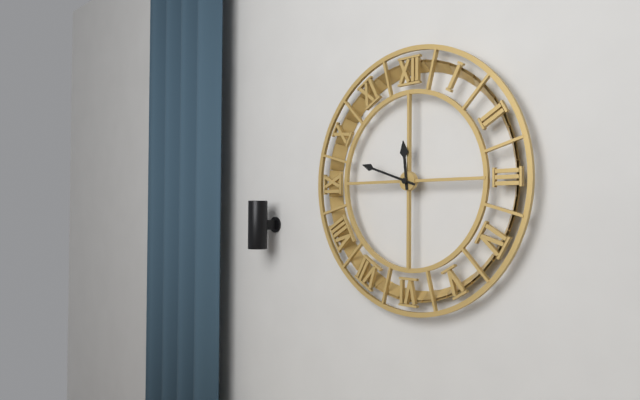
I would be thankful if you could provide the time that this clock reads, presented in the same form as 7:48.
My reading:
11:48
